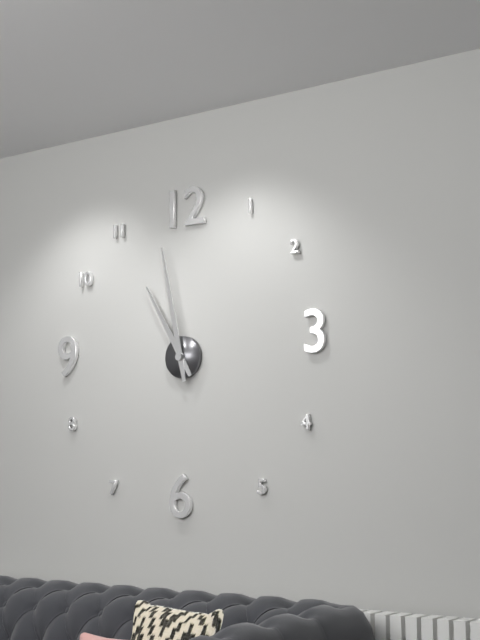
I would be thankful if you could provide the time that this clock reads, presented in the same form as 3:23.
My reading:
10:58
